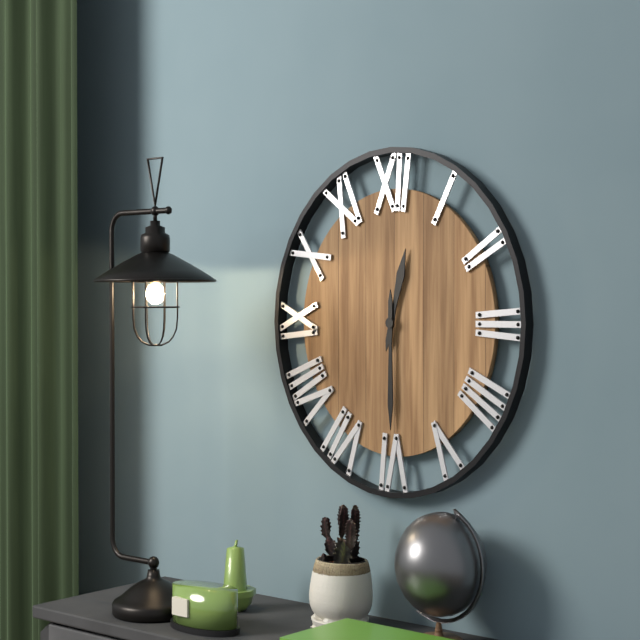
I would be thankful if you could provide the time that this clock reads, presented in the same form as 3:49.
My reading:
12:30
